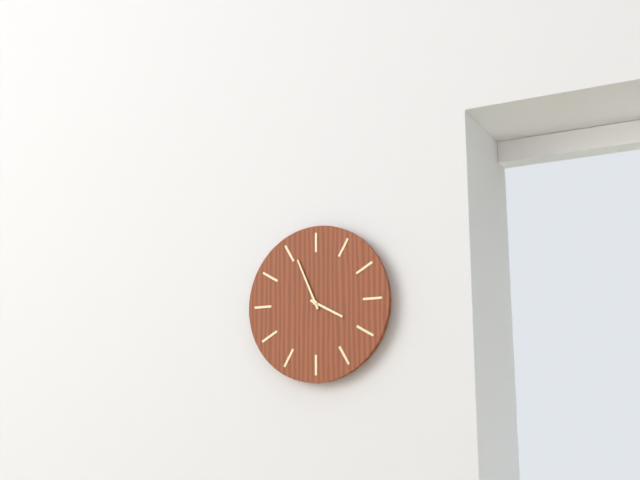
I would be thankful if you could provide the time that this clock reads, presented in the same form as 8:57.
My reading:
3:56
